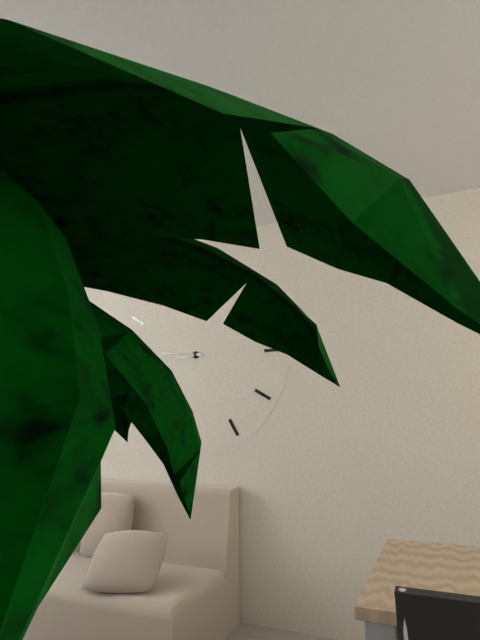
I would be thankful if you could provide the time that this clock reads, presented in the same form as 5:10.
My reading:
8:46
